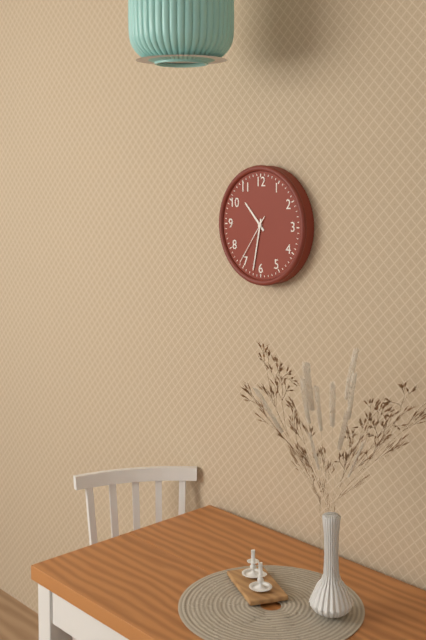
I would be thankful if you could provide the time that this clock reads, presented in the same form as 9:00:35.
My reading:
10:32:36
